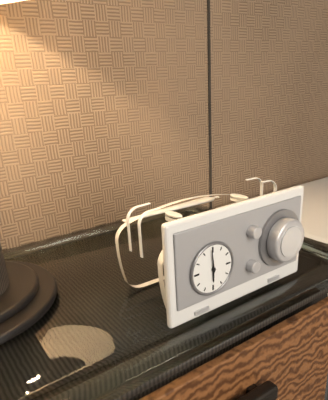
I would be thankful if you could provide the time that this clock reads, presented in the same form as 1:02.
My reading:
5:59
